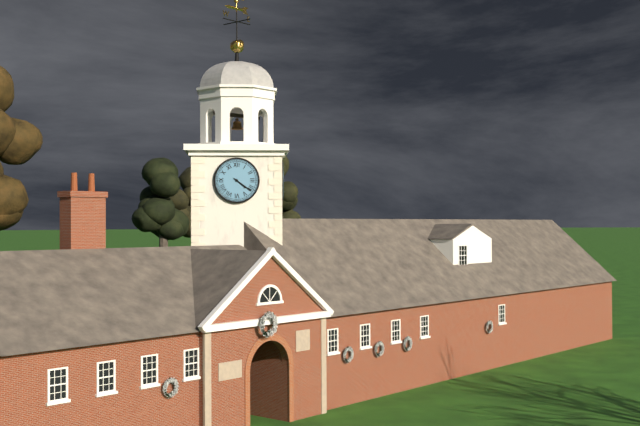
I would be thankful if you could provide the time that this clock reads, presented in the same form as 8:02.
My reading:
4:21
